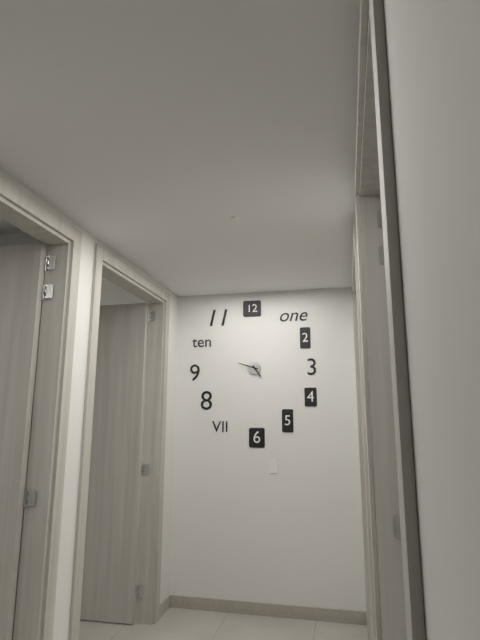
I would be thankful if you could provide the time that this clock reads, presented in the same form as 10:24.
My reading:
4:48
